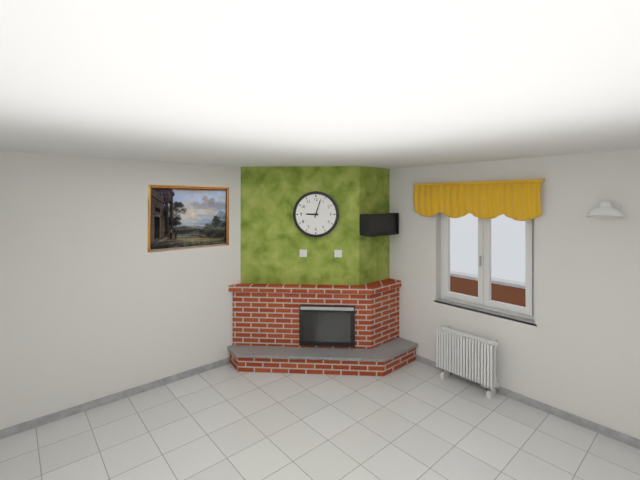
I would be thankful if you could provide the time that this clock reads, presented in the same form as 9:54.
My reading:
9:03
